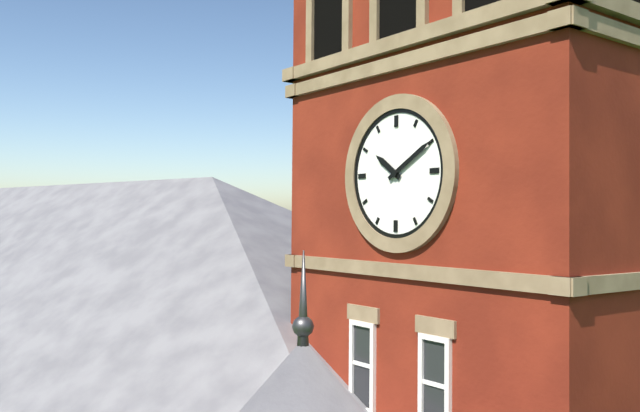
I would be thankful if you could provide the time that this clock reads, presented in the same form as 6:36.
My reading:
10:10
